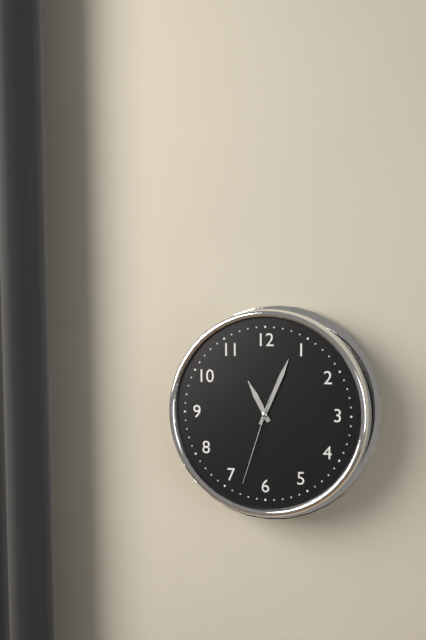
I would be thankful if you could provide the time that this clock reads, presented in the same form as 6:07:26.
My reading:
11:04:33
